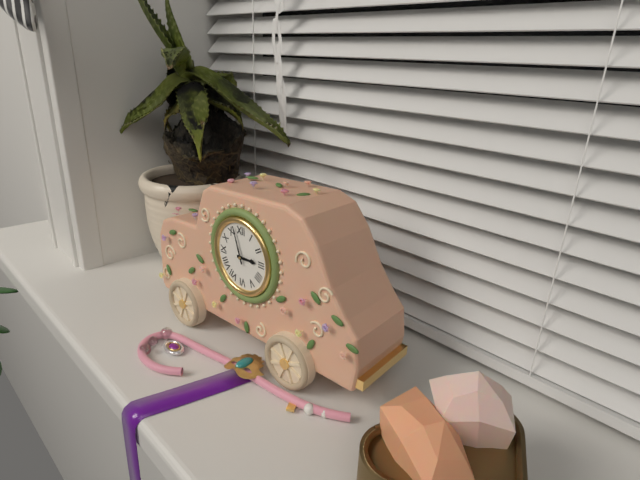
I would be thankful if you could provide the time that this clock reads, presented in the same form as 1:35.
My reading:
2:57
